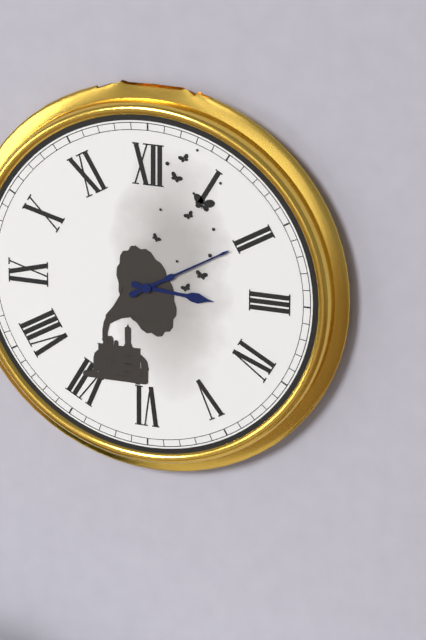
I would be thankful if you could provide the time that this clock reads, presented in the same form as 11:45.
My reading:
3:10
